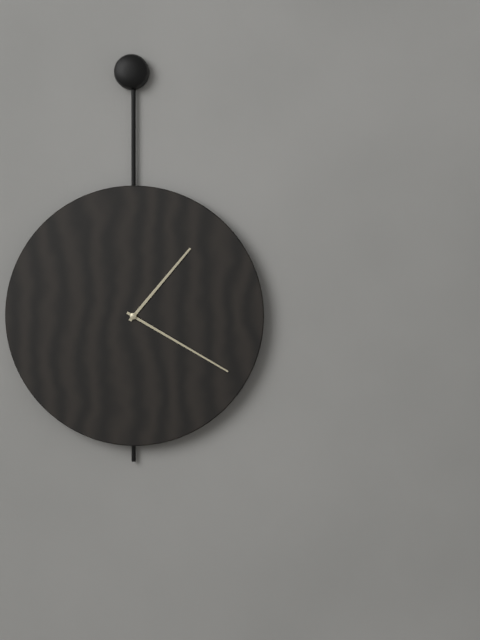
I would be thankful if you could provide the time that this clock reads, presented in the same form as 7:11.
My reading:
1:20
